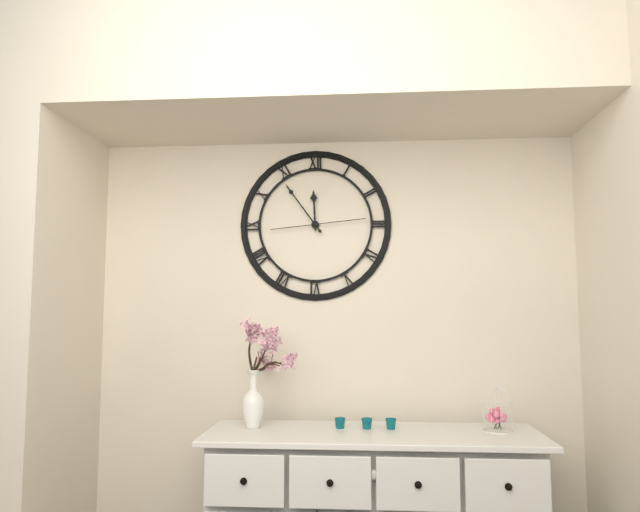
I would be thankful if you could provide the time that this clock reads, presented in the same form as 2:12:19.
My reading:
11:54:14
